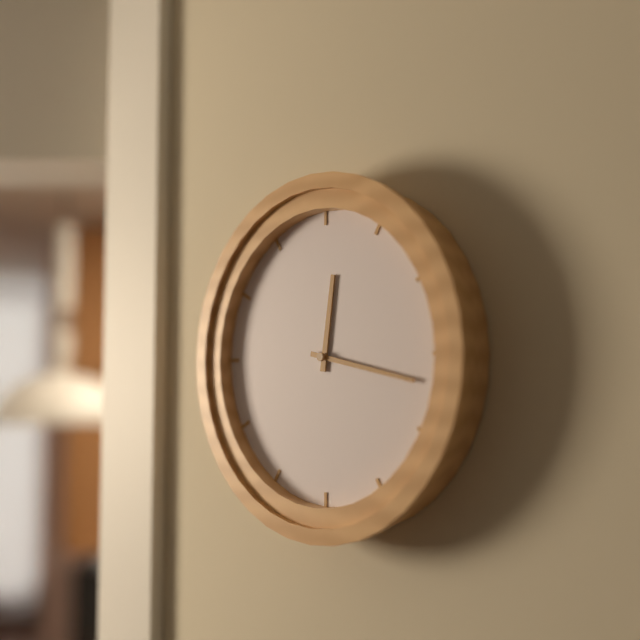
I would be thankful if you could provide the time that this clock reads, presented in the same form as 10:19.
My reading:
12:17
